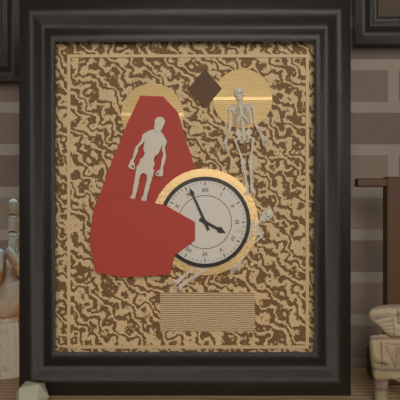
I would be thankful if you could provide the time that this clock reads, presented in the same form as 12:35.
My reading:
3:56
